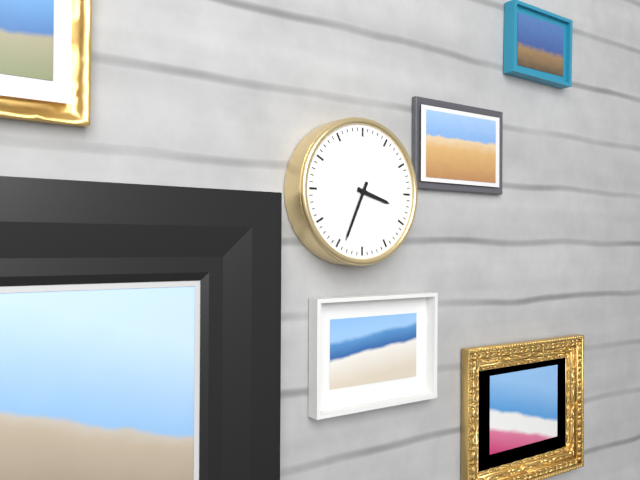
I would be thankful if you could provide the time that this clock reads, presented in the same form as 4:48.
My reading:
3:34
